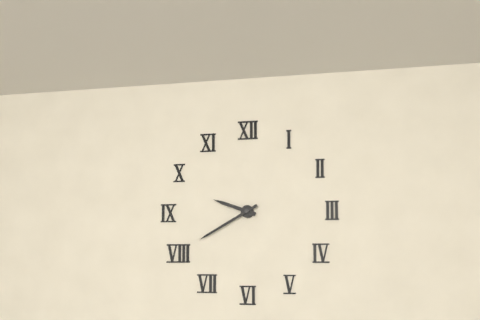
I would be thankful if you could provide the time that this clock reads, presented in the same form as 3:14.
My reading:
9:40
